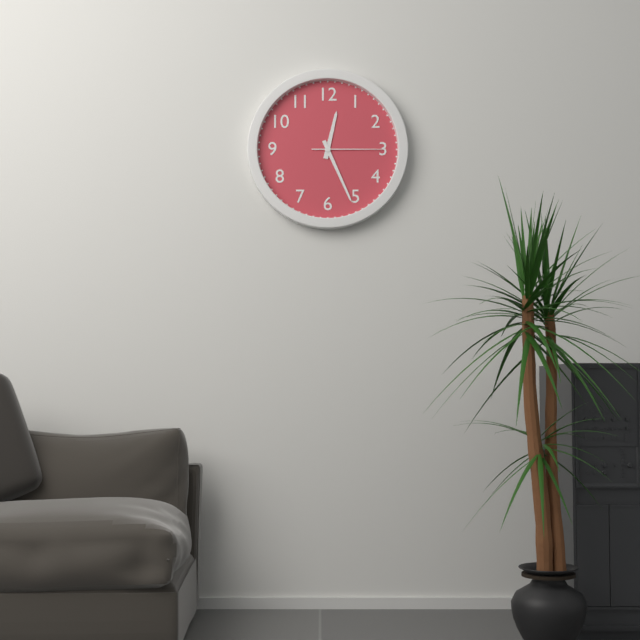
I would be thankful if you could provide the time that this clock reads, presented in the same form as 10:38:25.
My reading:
12:26:15
